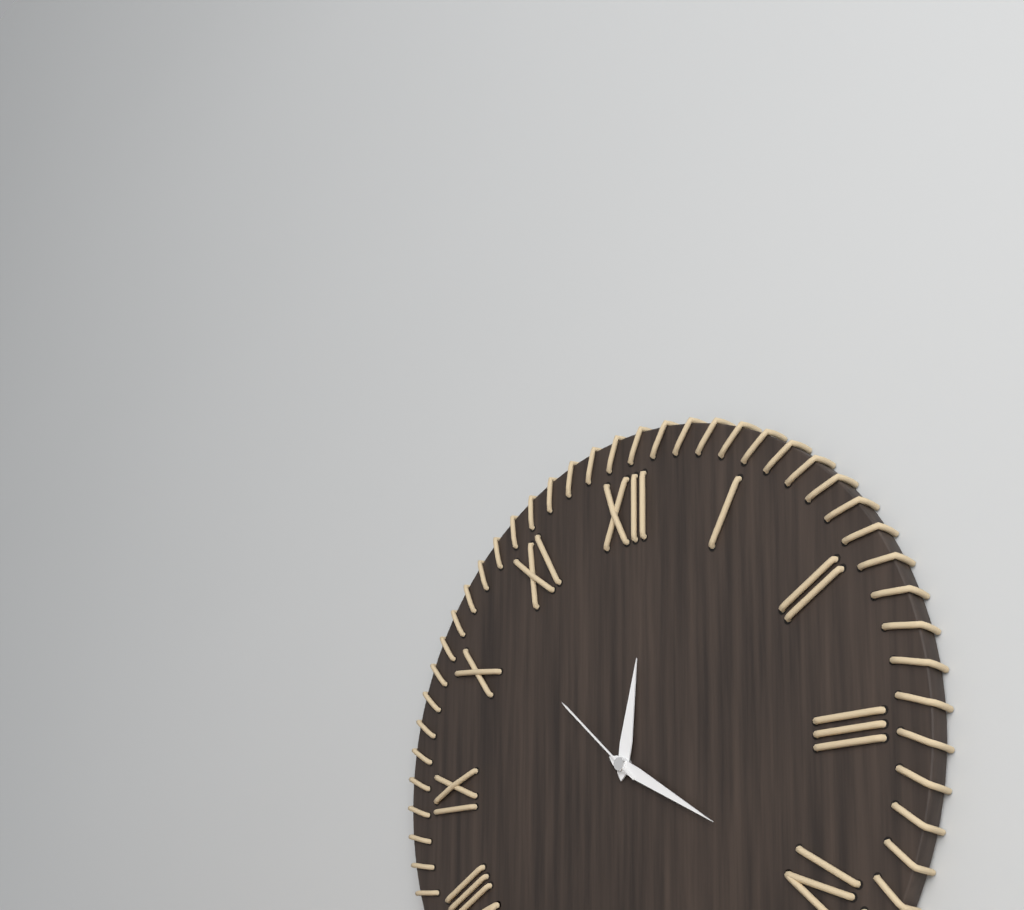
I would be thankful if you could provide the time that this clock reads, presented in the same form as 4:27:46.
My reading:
12:20:52
